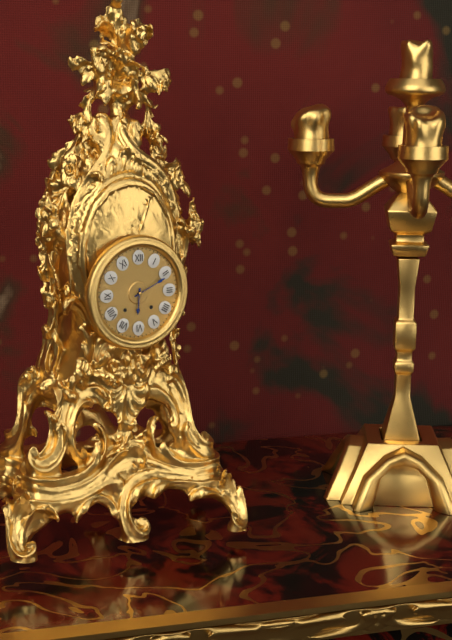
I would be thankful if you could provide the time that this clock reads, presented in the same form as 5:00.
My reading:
6:11
